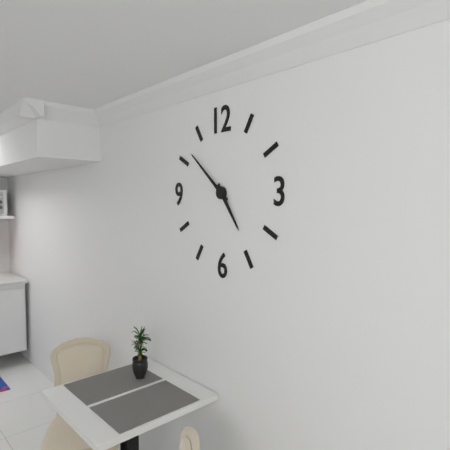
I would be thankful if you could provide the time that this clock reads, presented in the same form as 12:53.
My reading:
4:52
